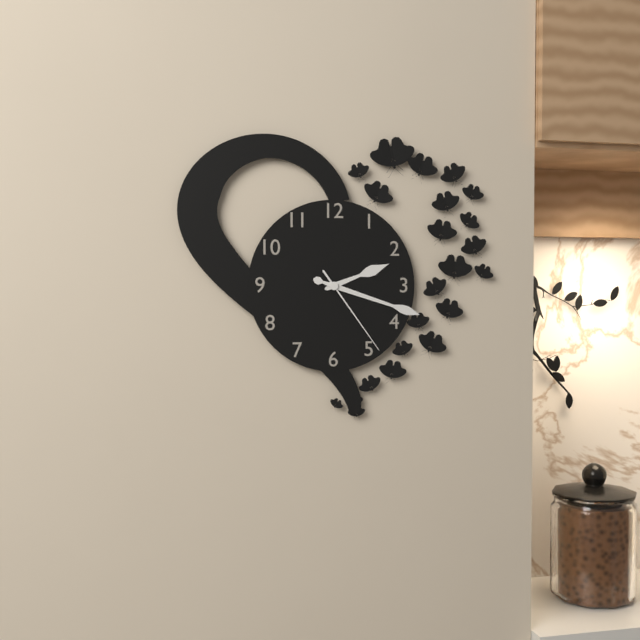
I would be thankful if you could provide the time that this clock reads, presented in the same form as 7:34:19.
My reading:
2:18:24
